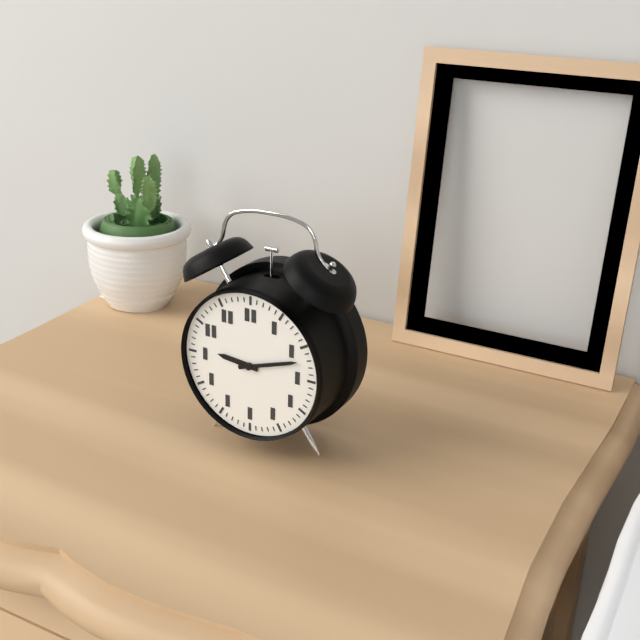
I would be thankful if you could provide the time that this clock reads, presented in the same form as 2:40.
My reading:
9:12
